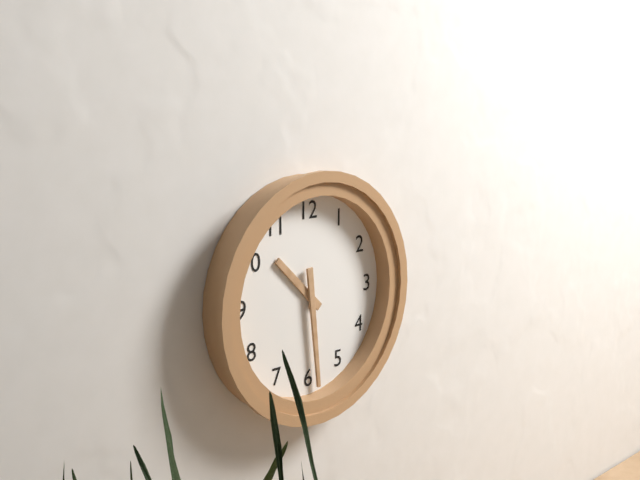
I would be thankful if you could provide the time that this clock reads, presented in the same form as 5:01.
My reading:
10:29
